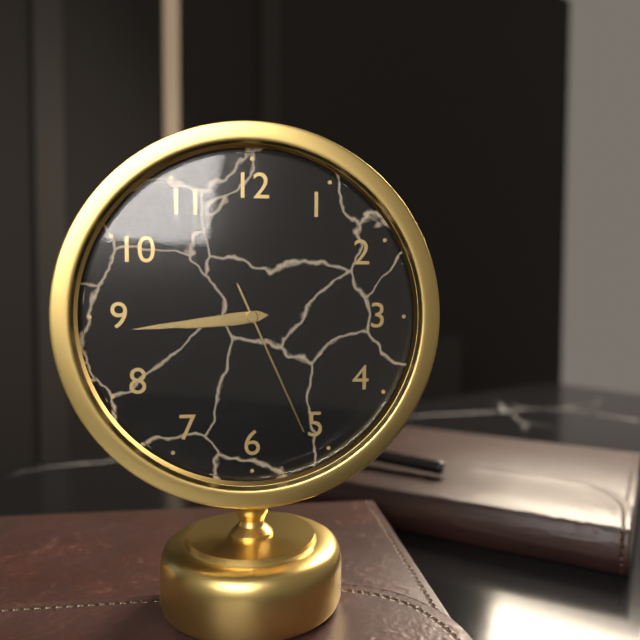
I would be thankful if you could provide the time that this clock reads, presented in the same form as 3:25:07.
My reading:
8:44:26
